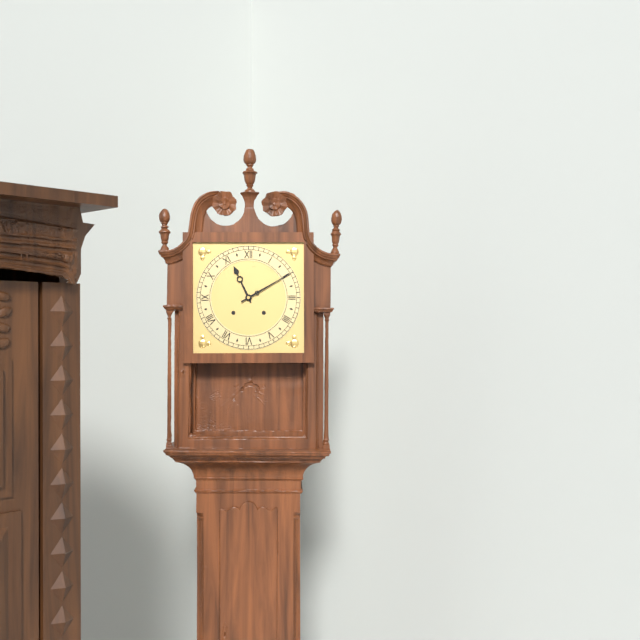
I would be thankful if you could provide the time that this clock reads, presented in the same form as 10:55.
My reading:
11:10
